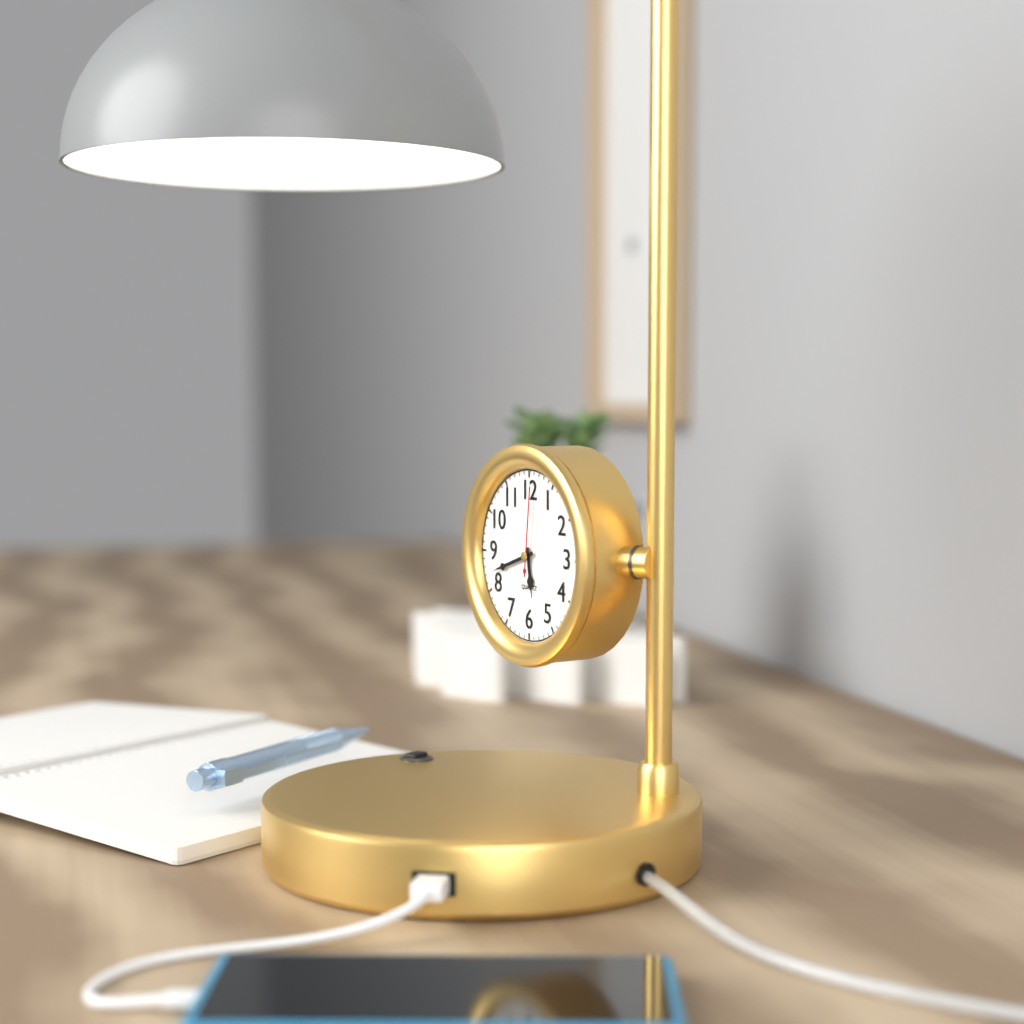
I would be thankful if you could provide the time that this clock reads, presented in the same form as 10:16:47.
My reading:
5:42:01
